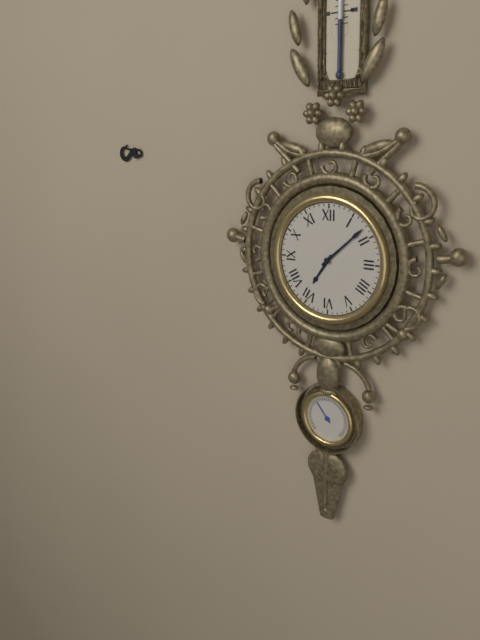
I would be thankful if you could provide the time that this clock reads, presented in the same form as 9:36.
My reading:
7:08
